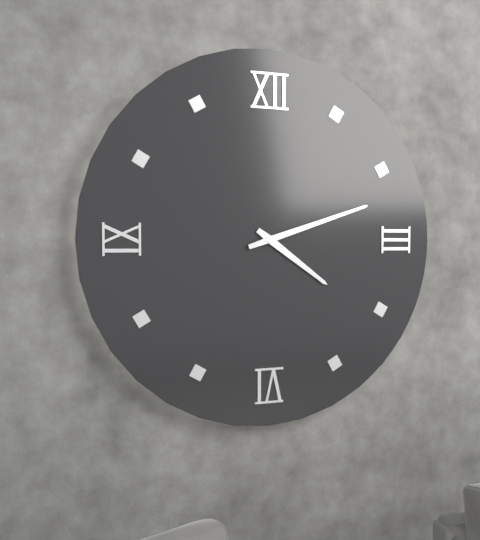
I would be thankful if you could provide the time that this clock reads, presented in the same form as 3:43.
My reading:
4:12
